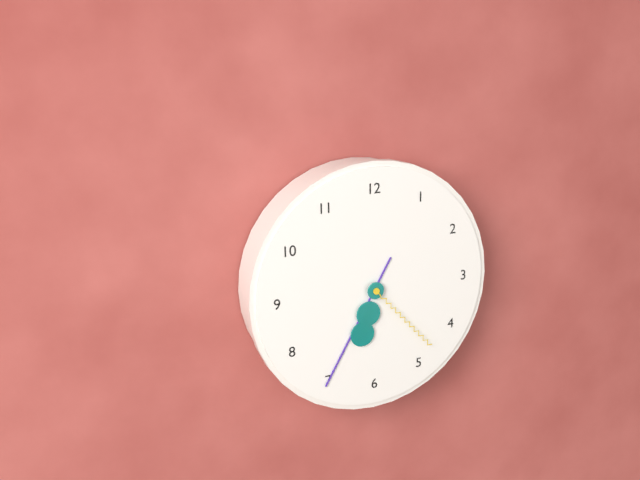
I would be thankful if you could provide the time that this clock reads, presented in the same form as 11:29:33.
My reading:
6:35:23
